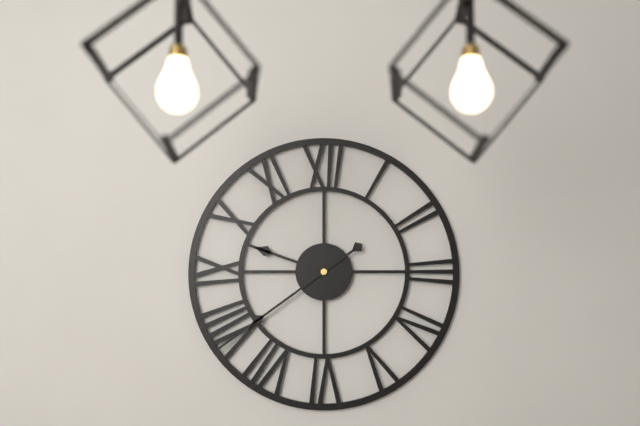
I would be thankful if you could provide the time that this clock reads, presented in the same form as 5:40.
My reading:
9:39
